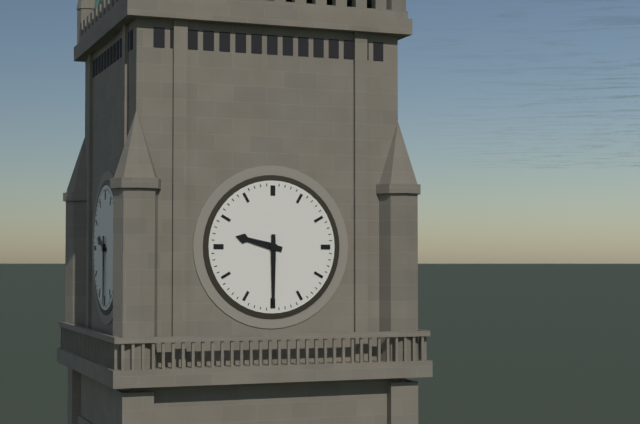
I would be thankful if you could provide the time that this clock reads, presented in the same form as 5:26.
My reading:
9:30
